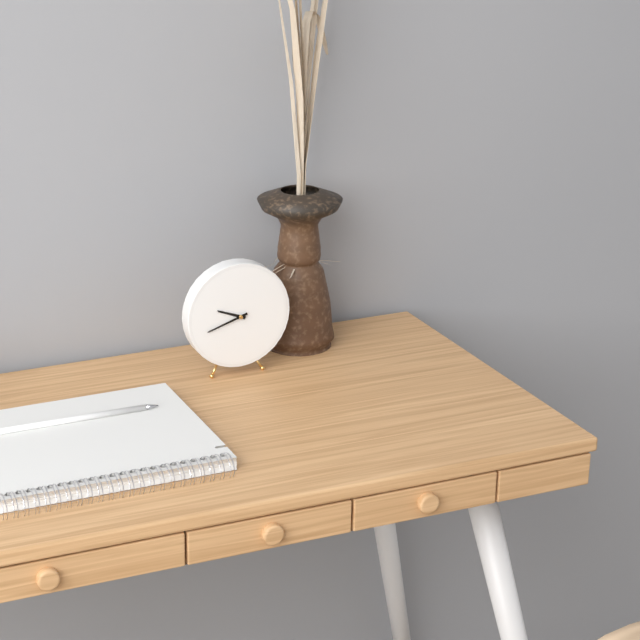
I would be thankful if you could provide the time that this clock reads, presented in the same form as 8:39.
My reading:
9:42
